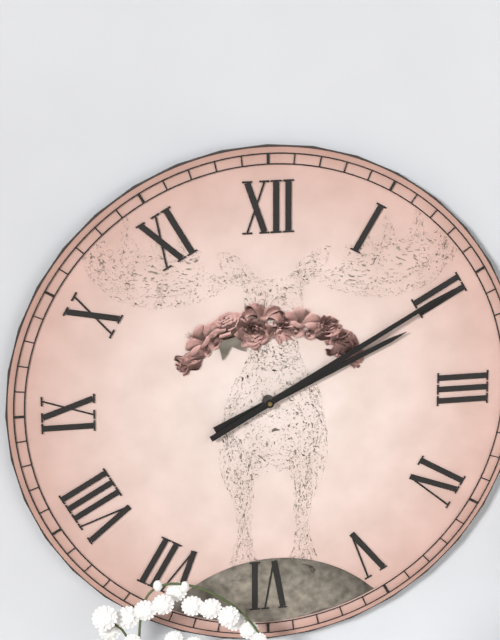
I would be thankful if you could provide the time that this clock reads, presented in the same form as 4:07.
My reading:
2:10
